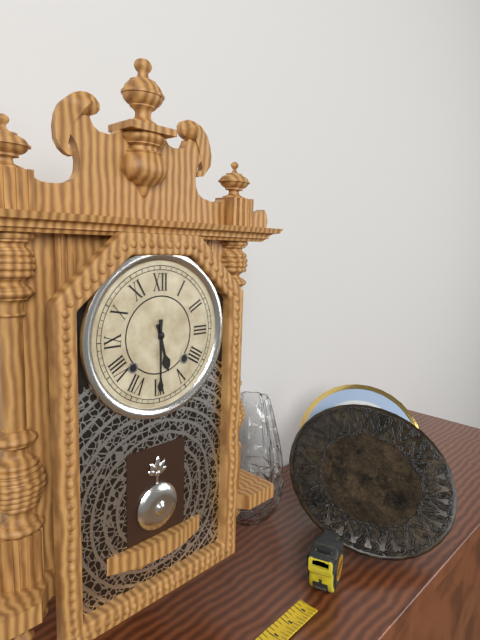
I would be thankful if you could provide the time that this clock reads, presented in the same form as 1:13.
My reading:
5:30
